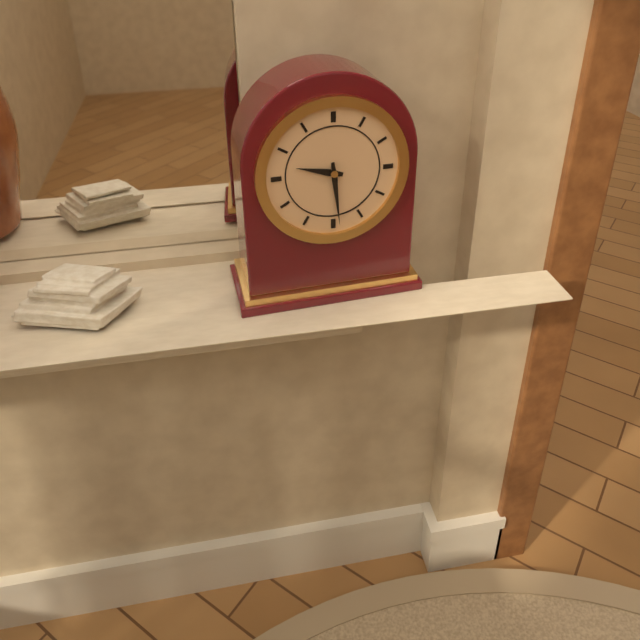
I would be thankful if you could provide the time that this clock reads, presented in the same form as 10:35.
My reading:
9:29
